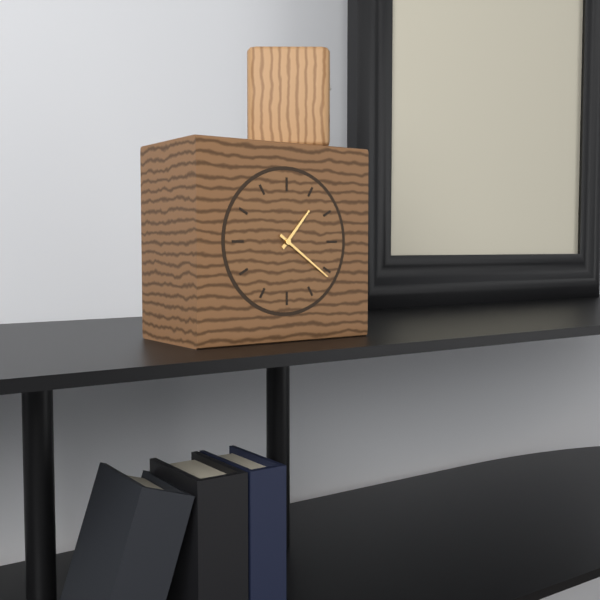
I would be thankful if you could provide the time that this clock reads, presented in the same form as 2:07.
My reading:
1:21
